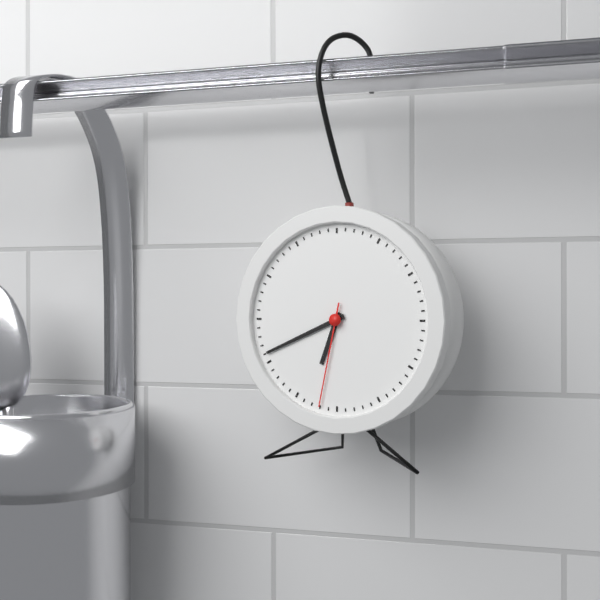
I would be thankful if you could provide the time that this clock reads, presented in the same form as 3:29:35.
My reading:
6:41:32
